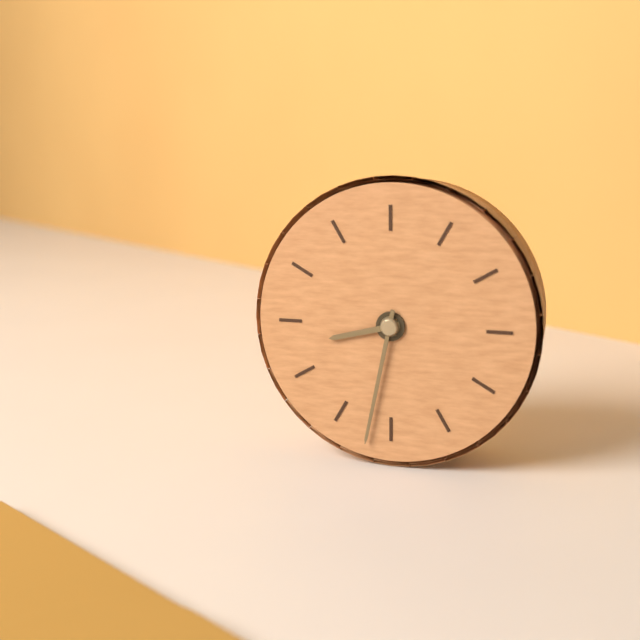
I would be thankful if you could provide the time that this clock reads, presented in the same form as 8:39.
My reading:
8:32
